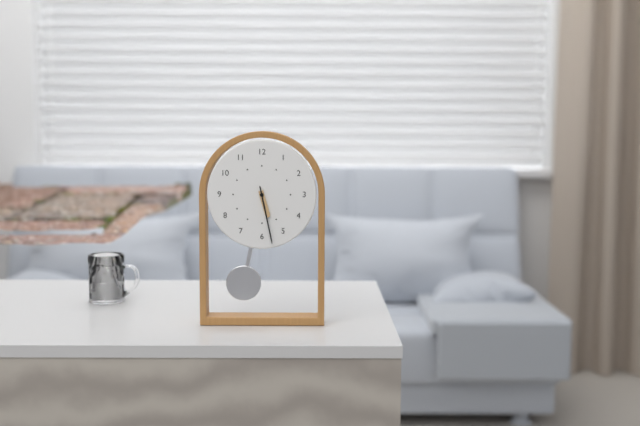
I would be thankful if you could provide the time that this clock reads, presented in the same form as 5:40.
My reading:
5:28
